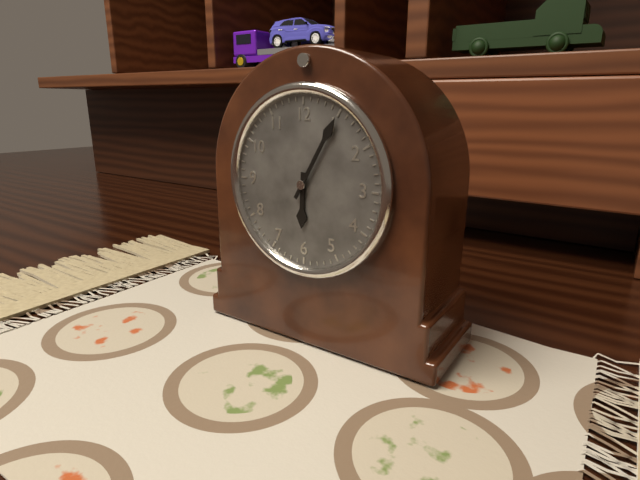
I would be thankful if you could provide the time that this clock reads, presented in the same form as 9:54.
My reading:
6:05
